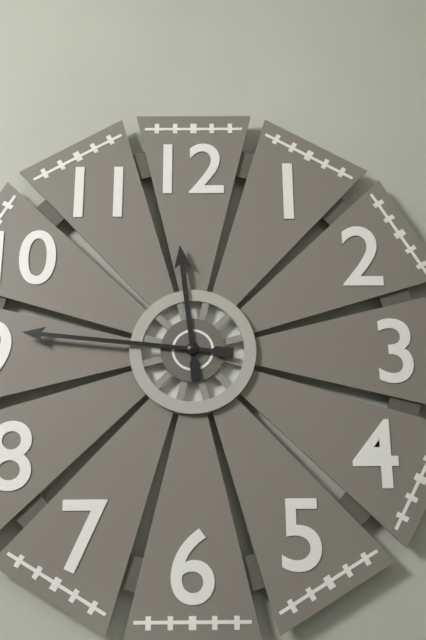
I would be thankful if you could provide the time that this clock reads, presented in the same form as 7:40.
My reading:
11:46
